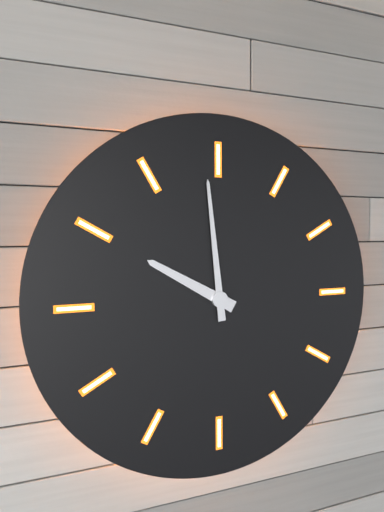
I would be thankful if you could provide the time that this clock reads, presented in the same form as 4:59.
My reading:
9:59
